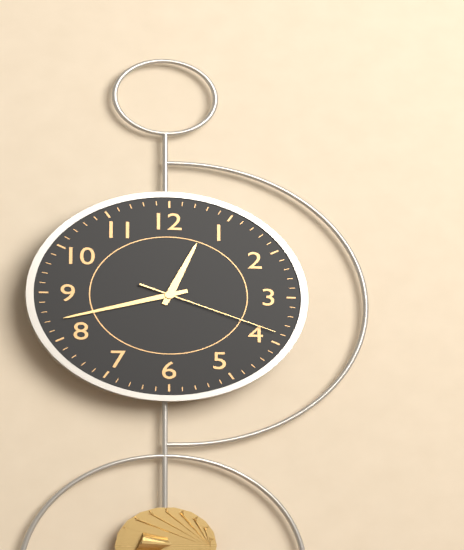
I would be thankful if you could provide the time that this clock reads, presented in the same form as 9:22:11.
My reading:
12:42:19
